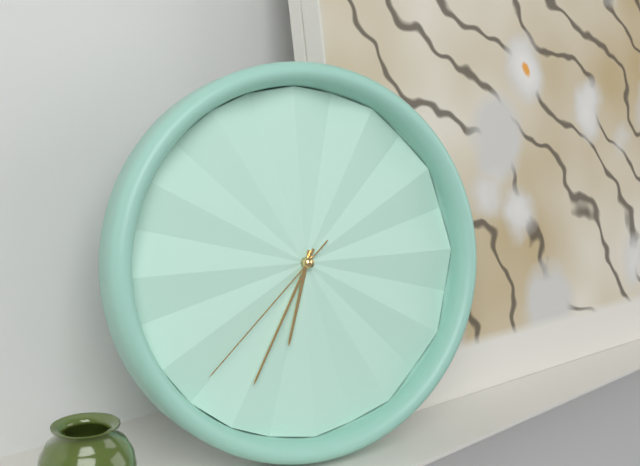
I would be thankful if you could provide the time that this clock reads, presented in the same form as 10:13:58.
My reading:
6:35:38
